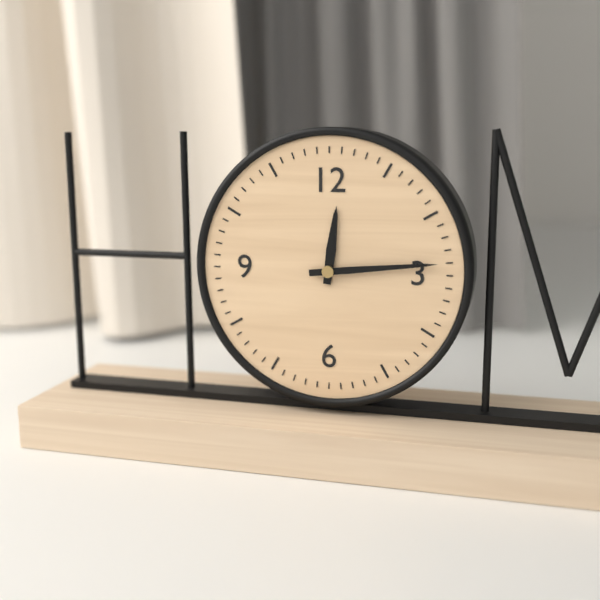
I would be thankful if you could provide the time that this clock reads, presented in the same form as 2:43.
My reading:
12:14
